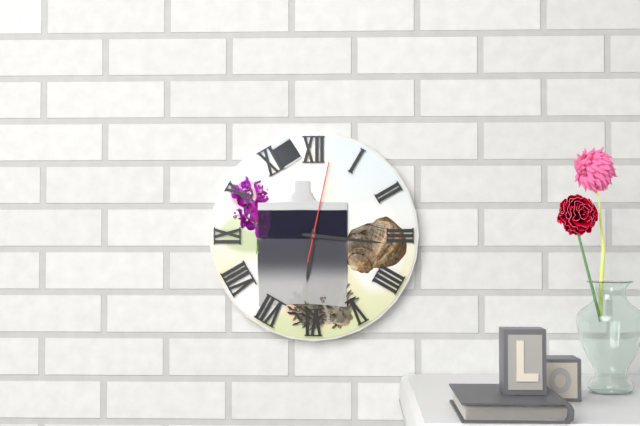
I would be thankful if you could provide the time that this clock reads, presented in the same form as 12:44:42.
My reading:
6:16:02
